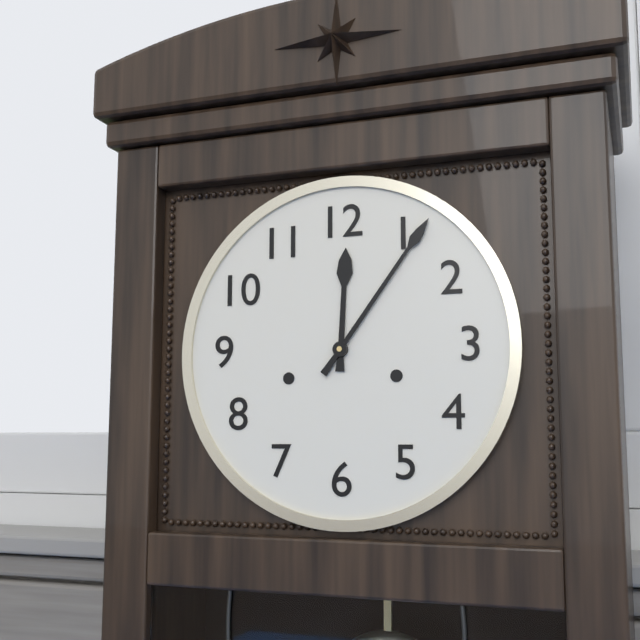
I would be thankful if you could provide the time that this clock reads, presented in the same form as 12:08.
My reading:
12:06
